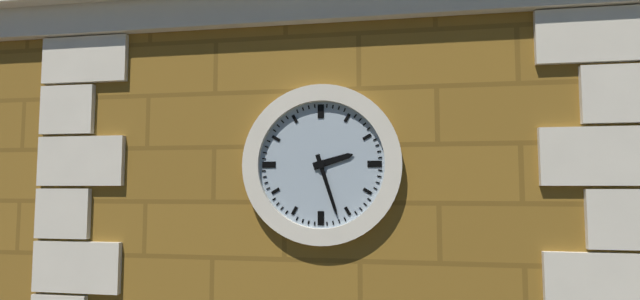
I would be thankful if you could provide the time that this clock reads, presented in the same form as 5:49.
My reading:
2:27
